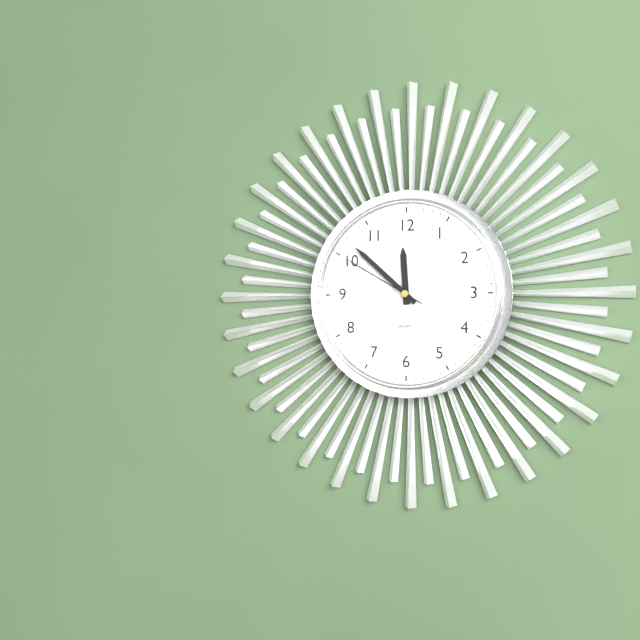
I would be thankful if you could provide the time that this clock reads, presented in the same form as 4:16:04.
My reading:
11:52:50
